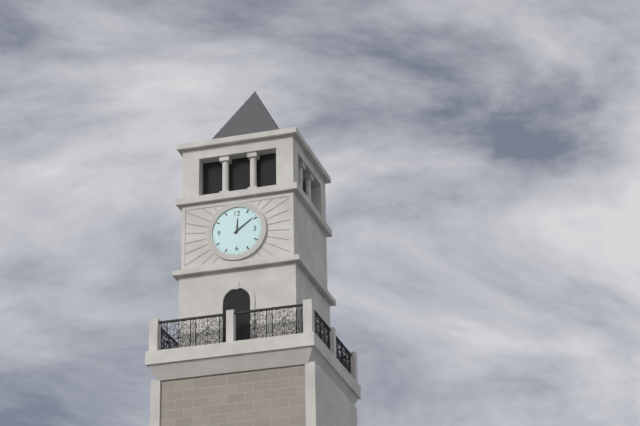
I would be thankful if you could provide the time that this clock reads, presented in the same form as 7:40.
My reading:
12:09
